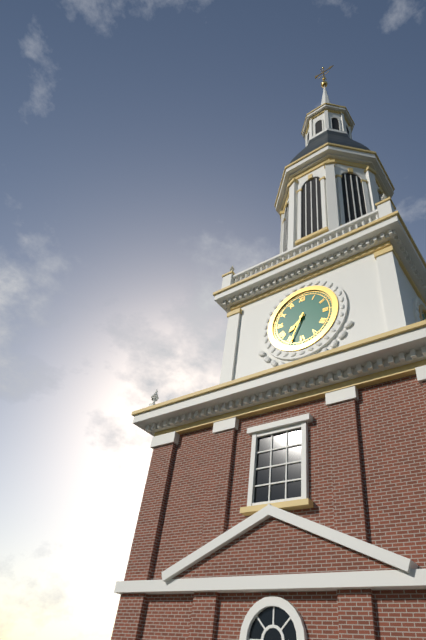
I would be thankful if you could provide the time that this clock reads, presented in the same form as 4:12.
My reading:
7:34
